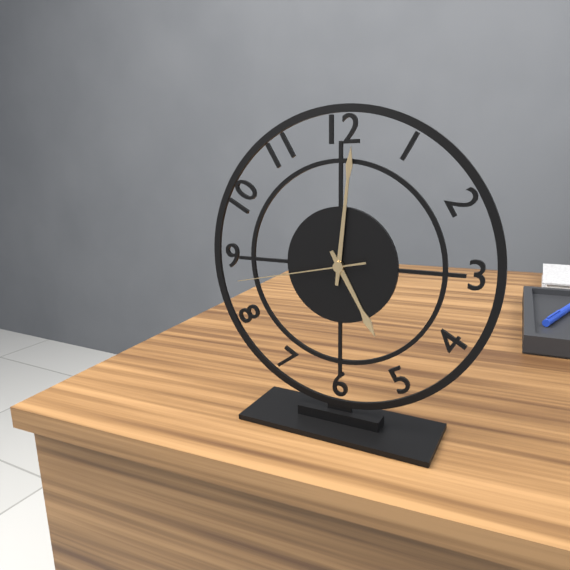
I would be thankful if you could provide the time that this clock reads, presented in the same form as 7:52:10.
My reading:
5:01:43
